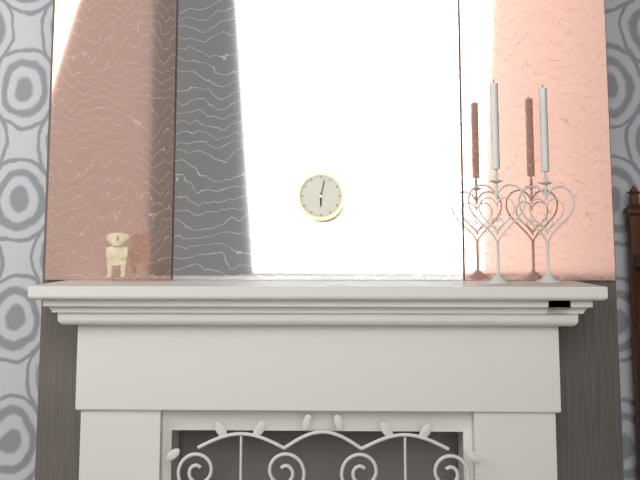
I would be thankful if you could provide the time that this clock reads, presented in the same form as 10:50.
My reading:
6:02
